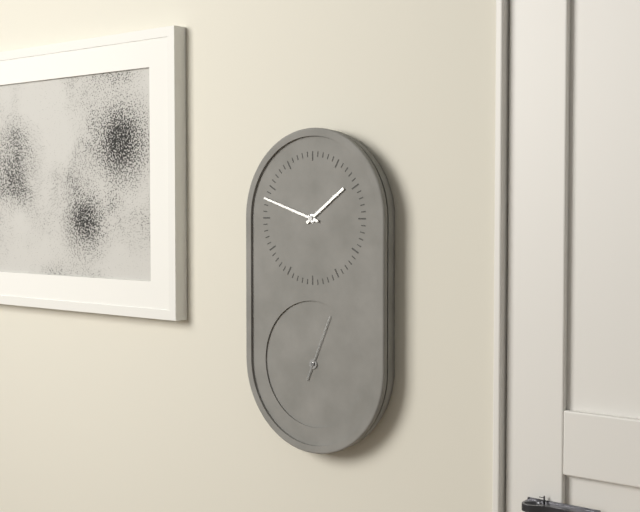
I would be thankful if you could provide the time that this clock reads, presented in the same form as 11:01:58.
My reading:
1:48:04
